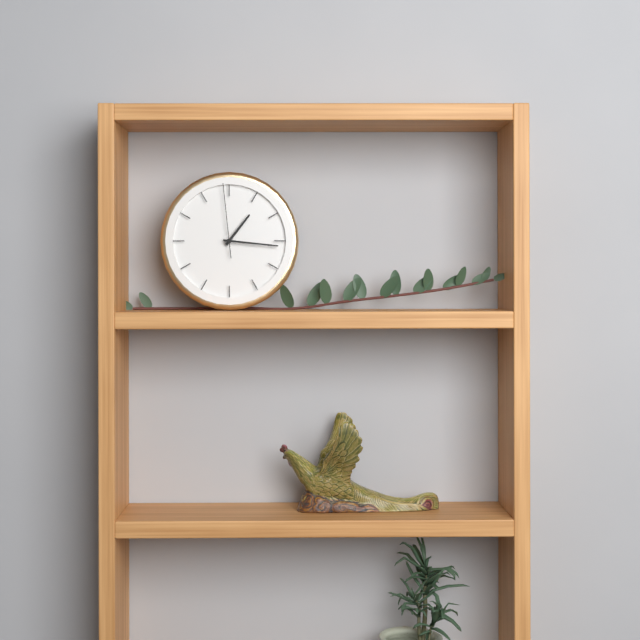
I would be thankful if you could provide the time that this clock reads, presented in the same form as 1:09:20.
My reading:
1:16:59
